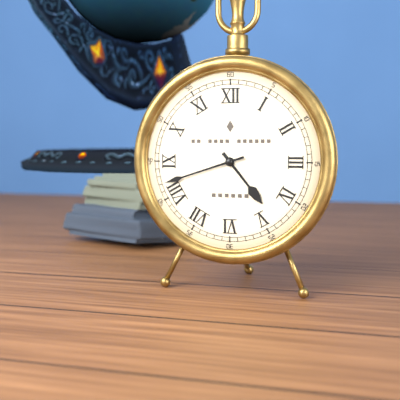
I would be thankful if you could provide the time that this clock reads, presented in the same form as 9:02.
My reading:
4:42
